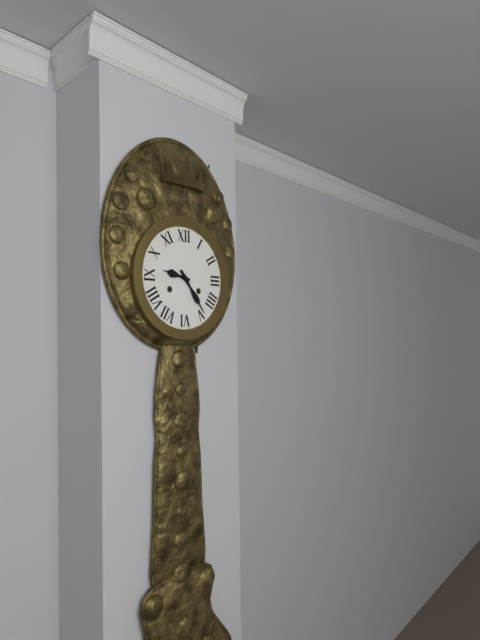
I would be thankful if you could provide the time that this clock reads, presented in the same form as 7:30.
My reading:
9:24
